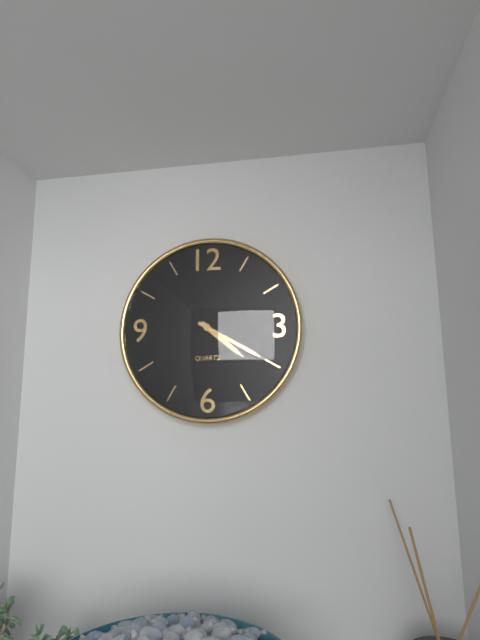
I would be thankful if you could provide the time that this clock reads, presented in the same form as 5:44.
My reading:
4:20
